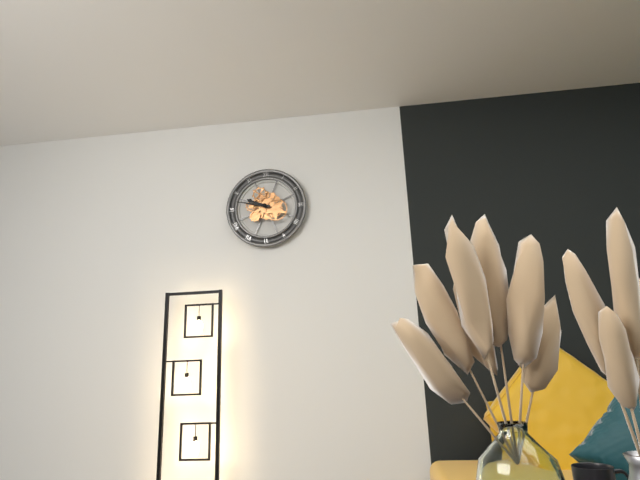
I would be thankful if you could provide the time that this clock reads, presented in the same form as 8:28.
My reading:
9:47
